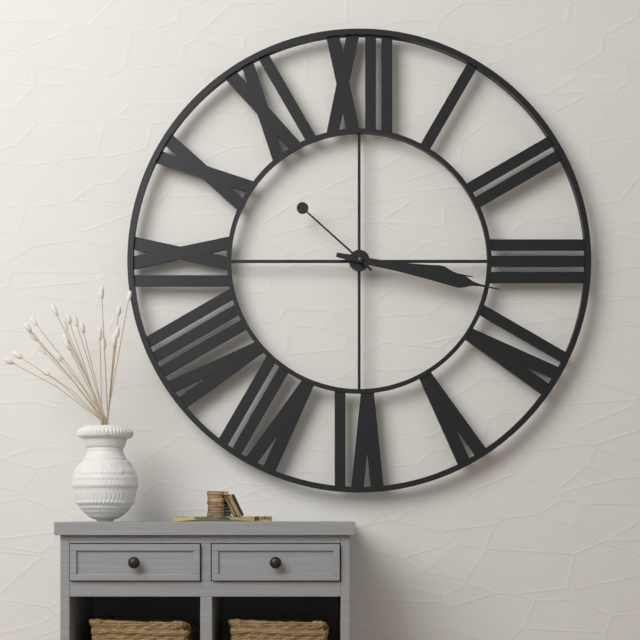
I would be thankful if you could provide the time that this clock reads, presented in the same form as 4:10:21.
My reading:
3:17:52
